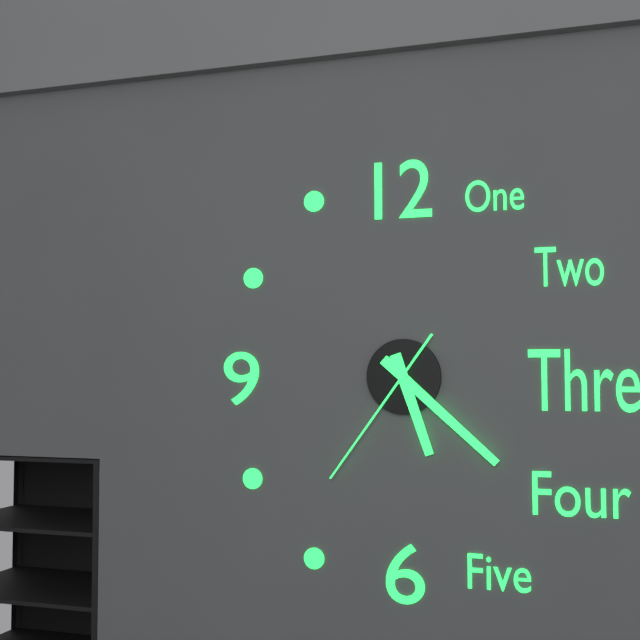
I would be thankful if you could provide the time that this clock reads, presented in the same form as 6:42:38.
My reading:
5:22:36
